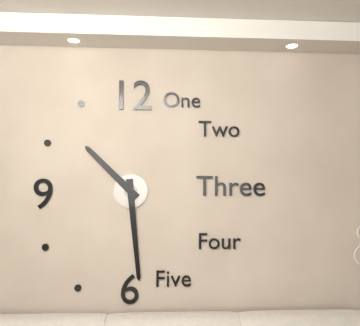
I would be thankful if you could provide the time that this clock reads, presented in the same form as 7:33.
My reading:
10:29
